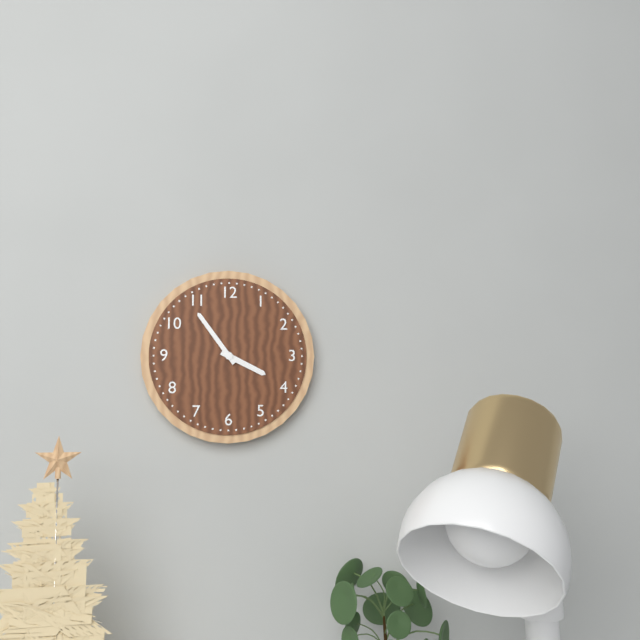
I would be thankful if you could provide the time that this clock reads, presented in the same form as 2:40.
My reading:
3:54
